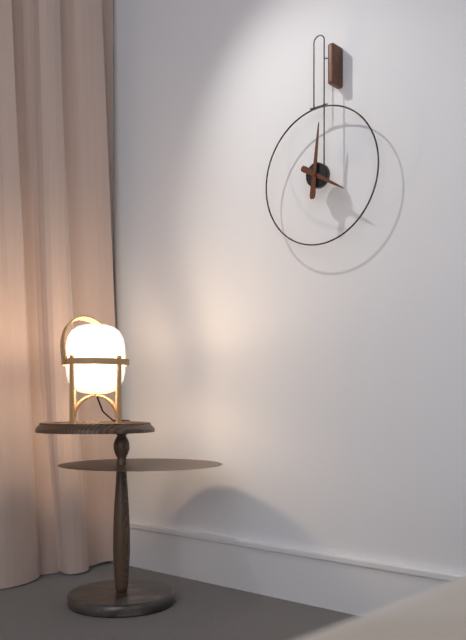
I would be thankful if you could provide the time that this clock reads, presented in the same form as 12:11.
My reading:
4:01
